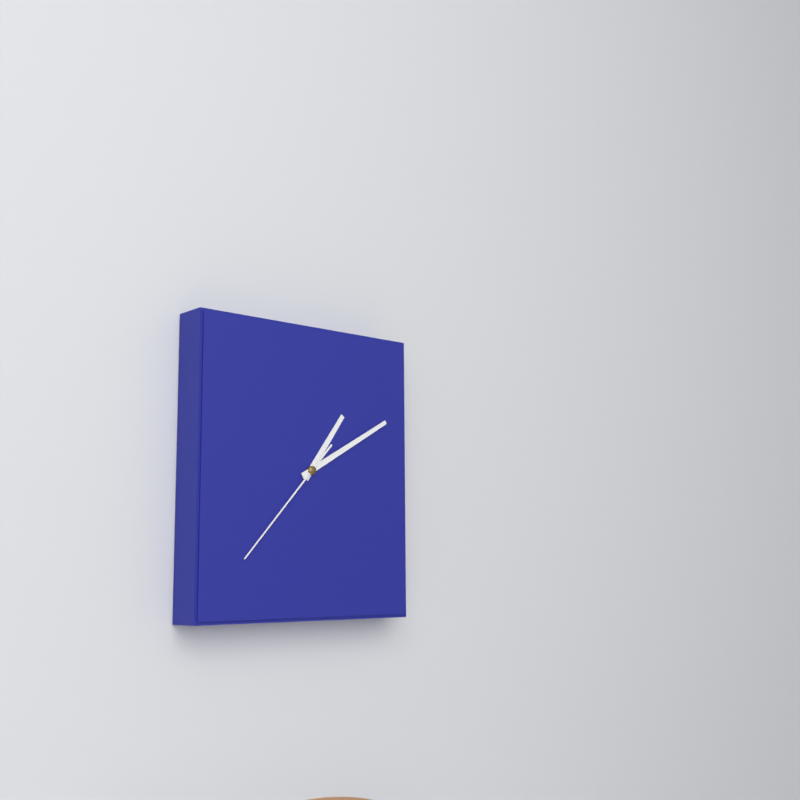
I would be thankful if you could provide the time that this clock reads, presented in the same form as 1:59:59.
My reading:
1:10:37
